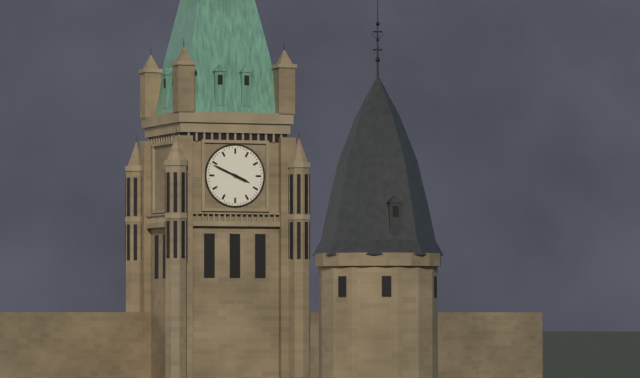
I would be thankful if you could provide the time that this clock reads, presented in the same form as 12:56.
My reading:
3:49
